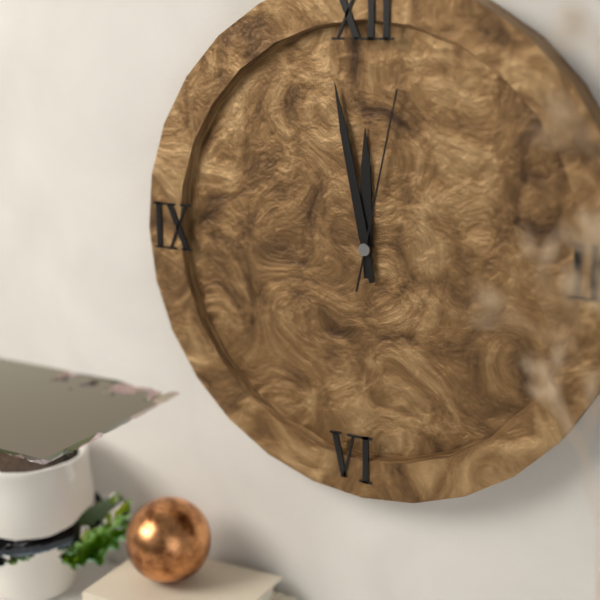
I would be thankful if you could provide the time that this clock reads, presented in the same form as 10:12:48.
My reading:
11:58:02
